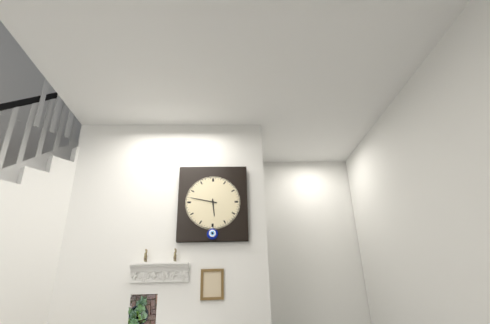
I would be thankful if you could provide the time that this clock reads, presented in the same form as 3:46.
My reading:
5:47
